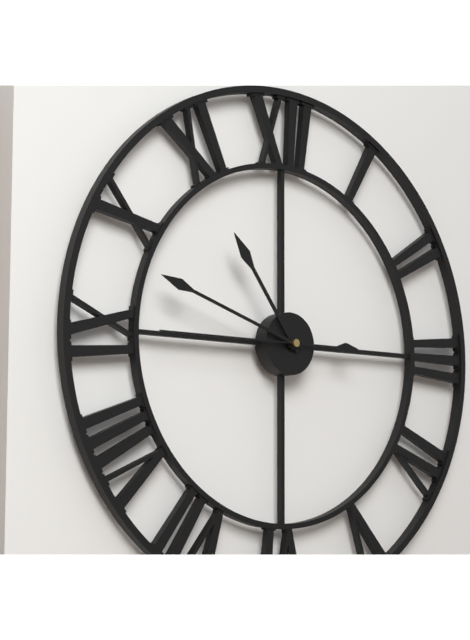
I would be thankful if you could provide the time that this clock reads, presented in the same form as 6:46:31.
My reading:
10:48:45
